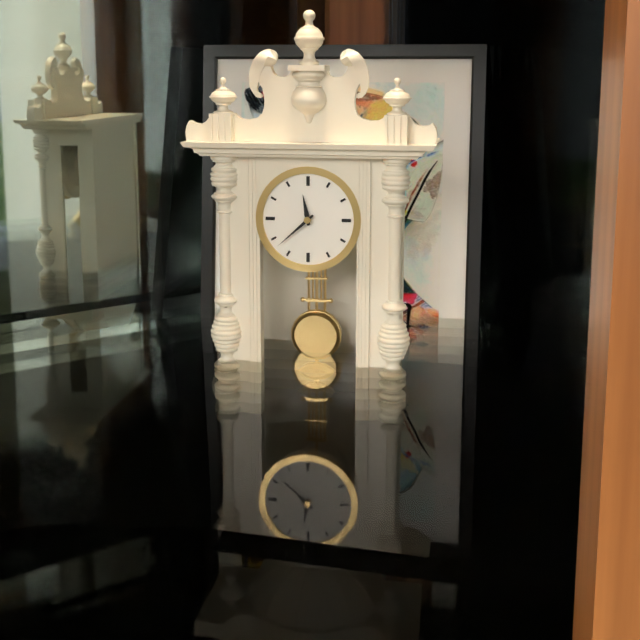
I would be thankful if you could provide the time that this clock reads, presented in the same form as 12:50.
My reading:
11:38
